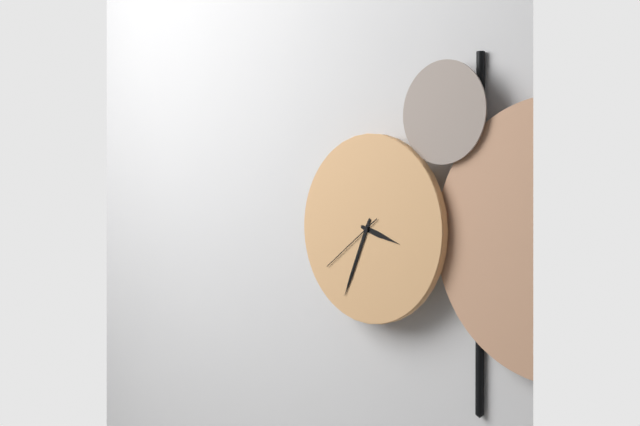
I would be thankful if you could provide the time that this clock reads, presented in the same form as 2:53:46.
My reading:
3:34:39
